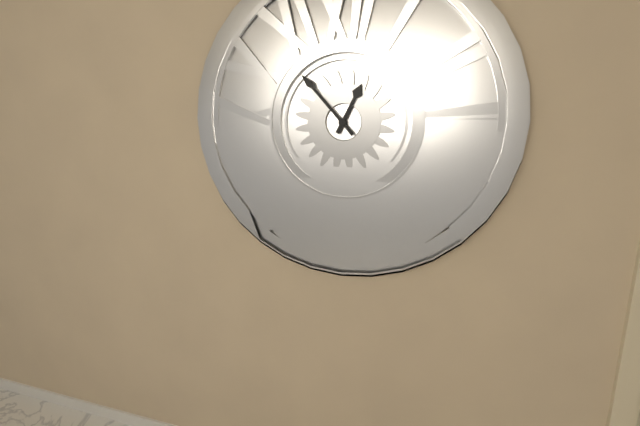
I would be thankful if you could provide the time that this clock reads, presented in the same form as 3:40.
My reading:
12:53
